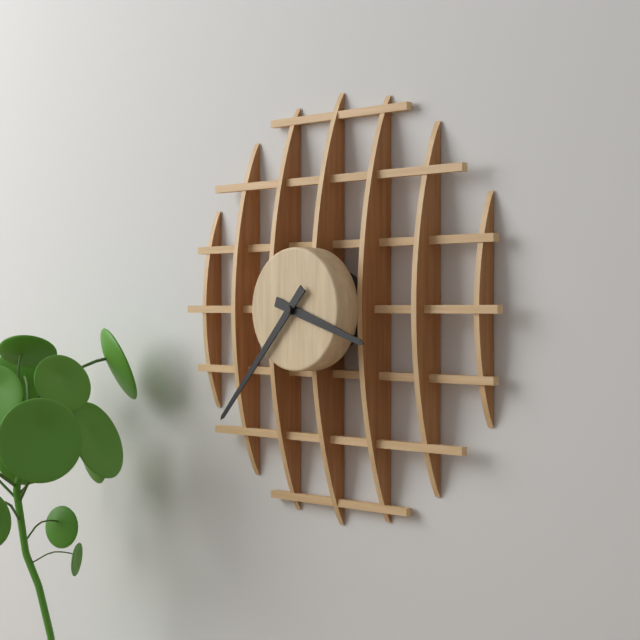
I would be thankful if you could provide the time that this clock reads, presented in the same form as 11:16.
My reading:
3:37
